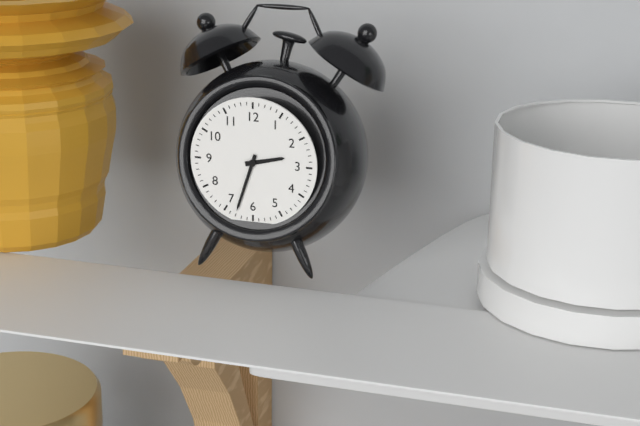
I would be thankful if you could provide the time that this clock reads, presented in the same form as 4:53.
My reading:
2:33
